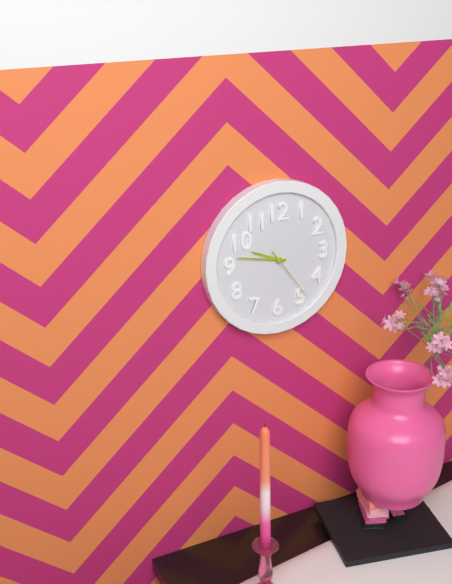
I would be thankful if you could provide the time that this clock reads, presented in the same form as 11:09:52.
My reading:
9:47:24
